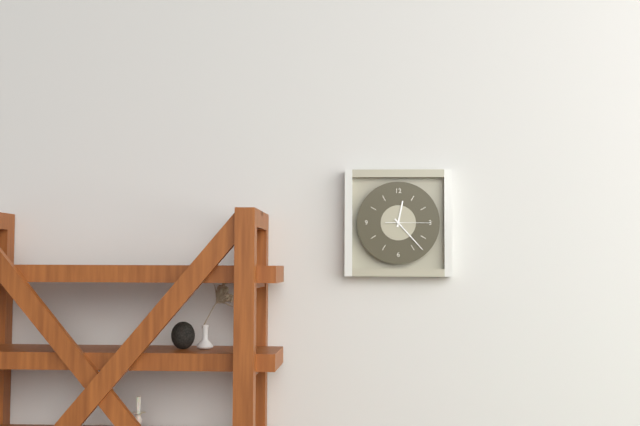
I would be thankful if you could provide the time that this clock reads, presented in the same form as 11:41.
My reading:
12:23
